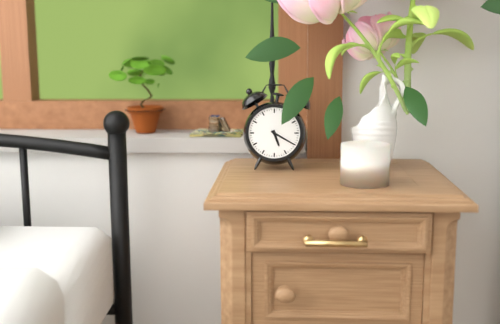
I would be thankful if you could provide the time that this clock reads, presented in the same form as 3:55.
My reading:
5:20
